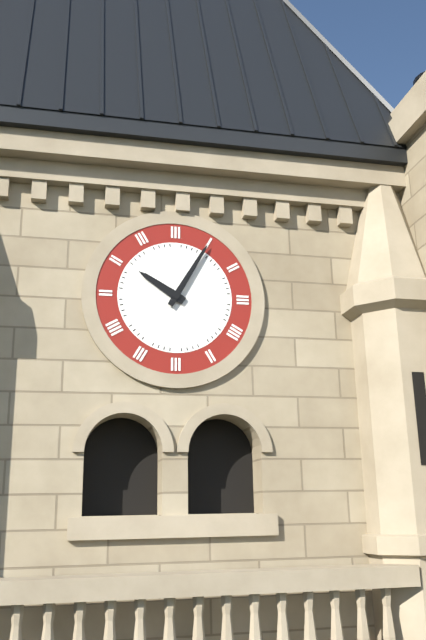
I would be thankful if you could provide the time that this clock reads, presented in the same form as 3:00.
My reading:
10:05
